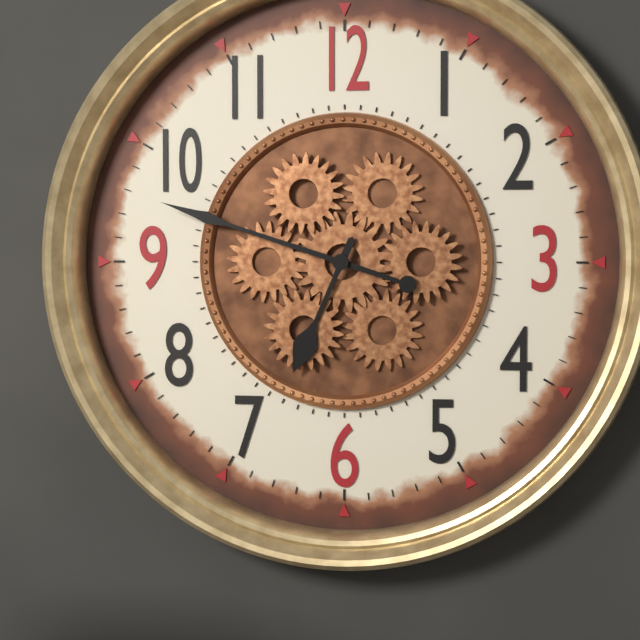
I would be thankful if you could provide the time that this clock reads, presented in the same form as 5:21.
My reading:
6:48
